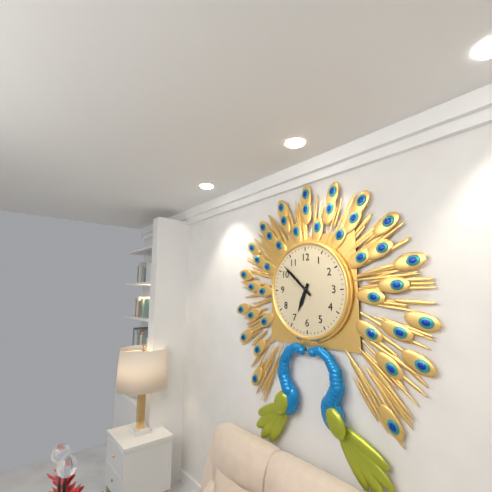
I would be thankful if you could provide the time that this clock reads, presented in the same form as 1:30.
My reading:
6:52
